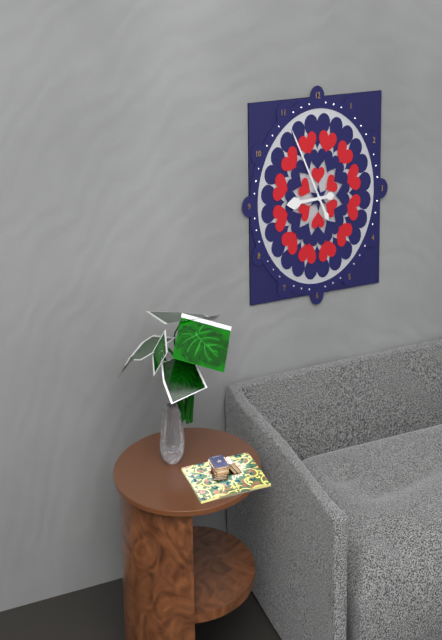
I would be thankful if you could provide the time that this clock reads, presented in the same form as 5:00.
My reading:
8:55
